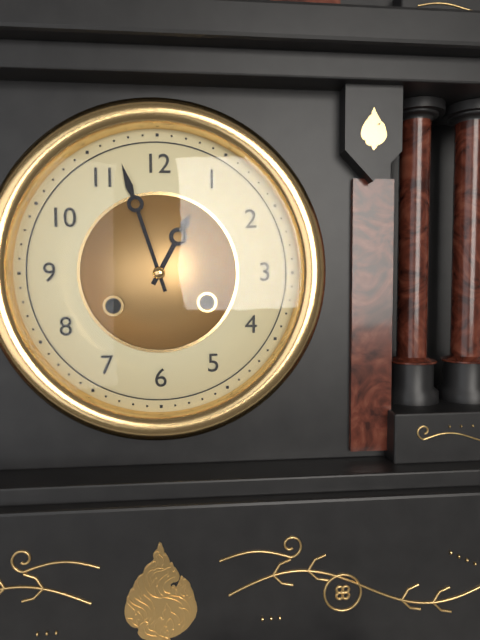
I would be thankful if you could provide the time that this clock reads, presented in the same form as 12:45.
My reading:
12:57
